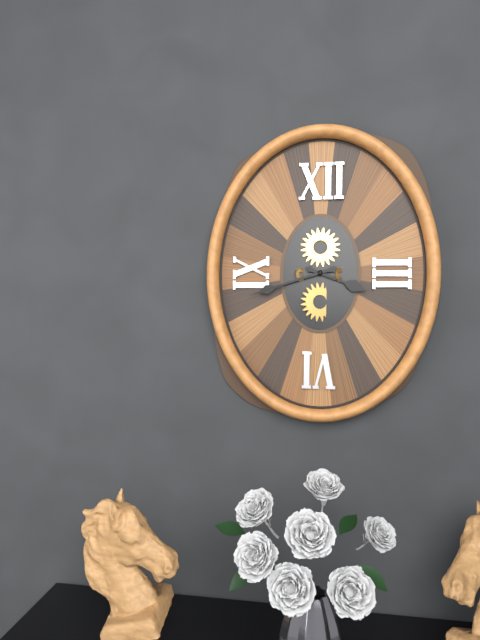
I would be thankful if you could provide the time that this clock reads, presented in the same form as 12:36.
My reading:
3:42
